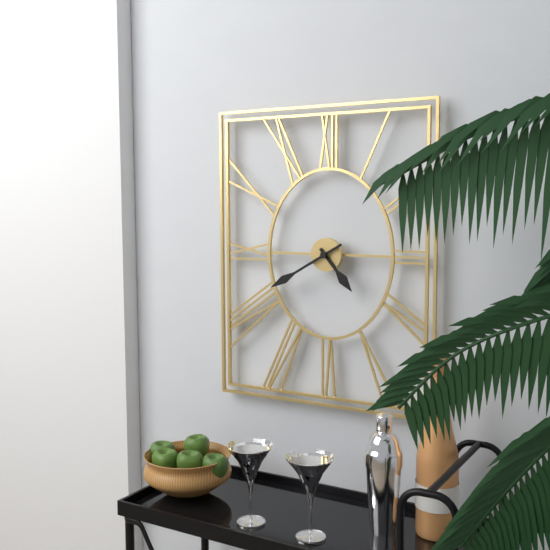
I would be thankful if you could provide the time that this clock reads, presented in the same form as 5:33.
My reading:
4:40
